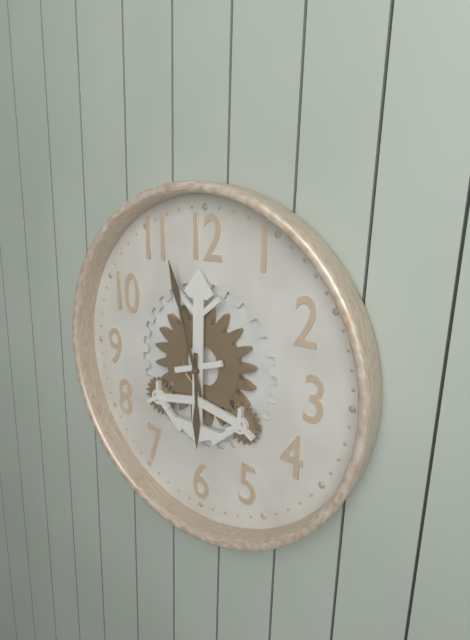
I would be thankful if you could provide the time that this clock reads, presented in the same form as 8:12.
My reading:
5:57
